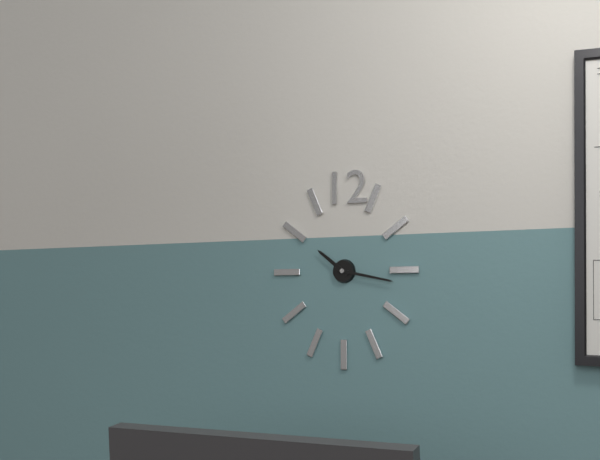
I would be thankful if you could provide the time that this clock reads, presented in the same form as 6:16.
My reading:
10:17
